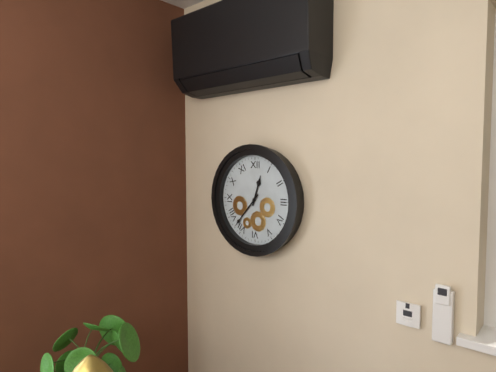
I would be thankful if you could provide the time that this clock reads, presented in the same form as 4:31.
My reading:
12:37
